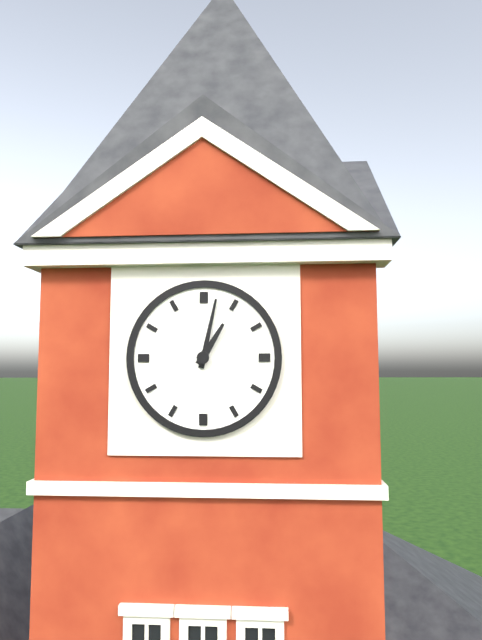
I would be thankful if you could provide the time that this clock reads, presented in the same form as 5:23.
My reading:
1:02
